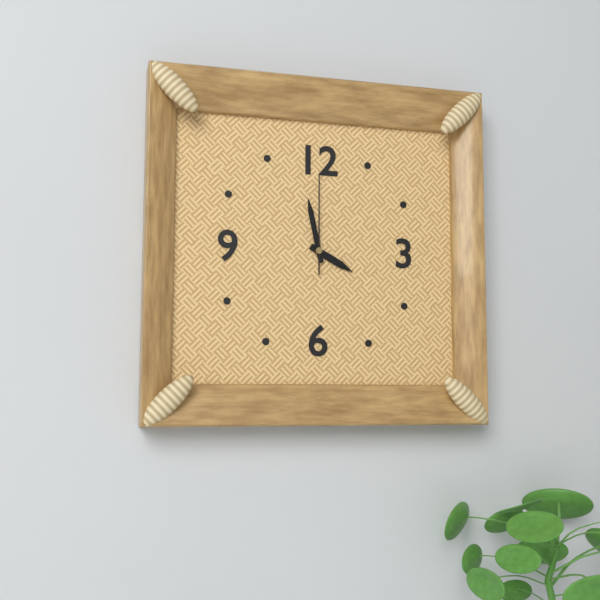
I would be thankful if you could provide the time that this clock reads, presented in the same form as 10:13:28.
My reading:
3:58:00
